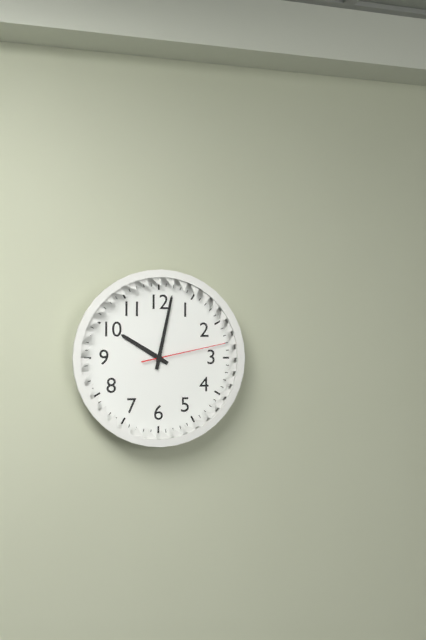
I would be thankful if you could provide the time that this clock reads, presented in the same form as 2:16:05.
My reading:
10:02:13
